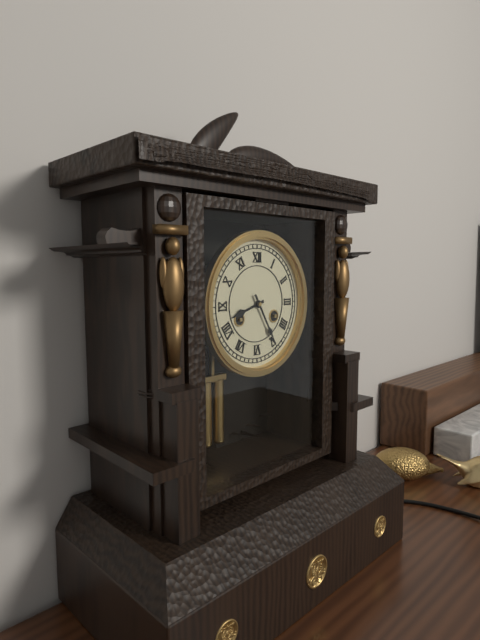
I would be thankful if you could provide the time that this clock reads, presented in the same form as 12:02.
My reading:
8:25
